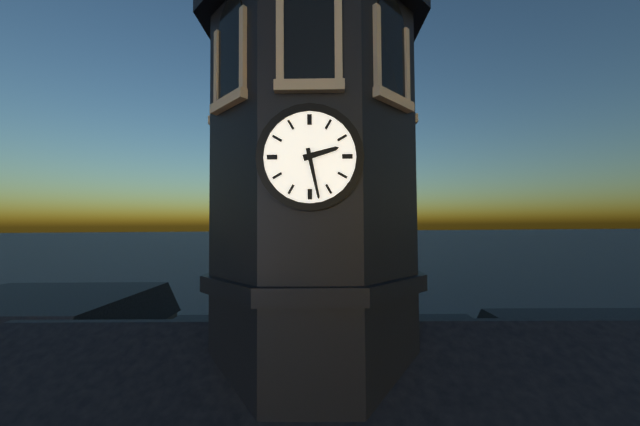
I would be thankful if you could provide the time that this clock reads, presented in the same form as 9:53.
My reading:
2:28
